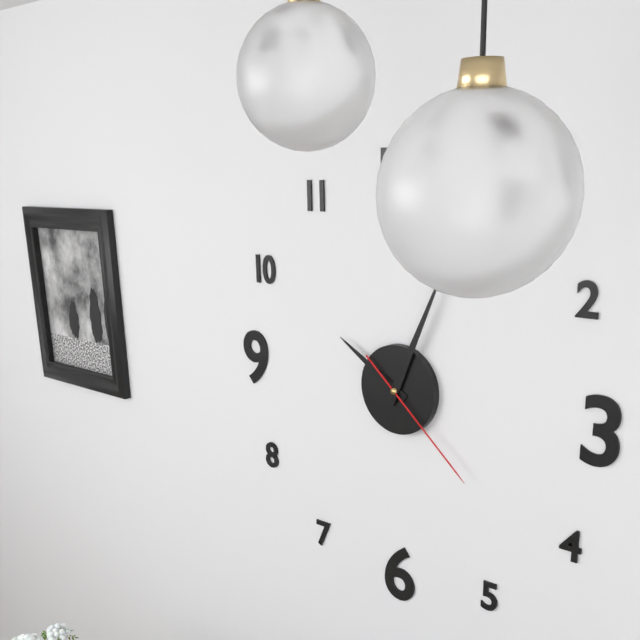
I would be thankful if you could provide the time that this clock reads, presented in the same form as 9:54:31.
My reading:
10:04:22
